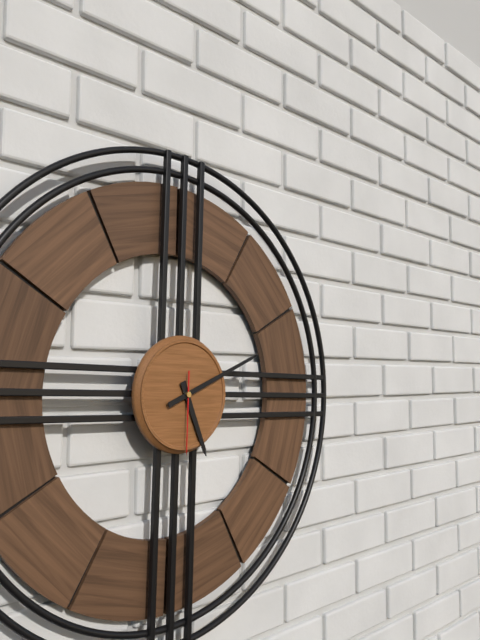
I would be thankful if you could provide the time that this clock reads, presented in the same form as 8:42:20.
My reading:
5:11:30
